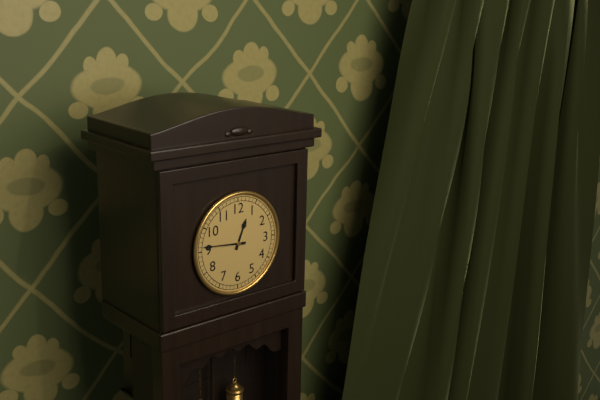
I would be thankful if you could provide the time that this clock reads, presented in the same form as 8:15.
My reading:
12:46
